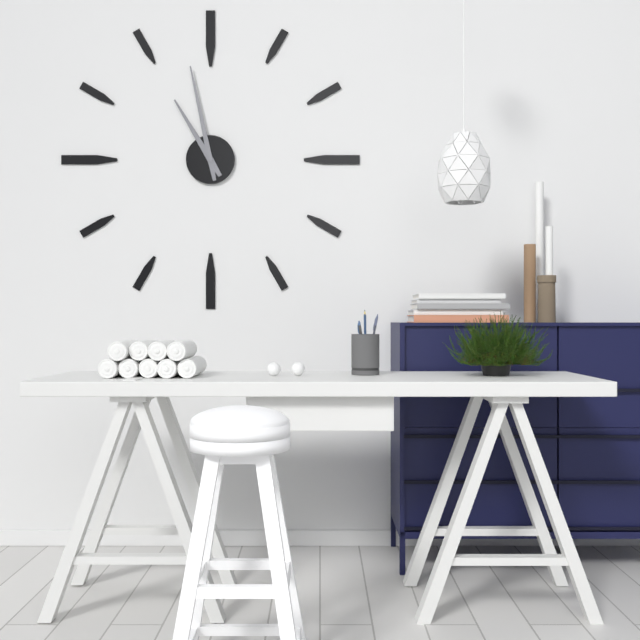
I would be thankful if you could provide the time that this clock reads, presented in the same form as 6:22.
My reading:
10:58
